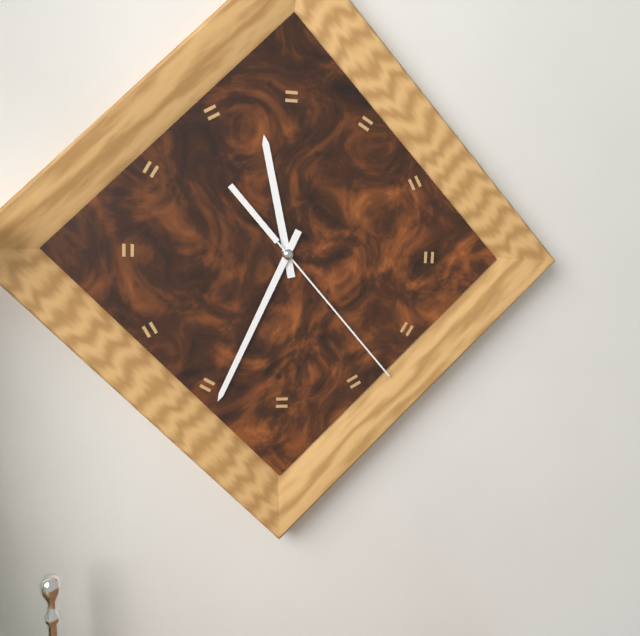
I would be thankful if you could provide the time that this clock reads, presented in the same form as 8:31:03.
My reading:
11:34:23
